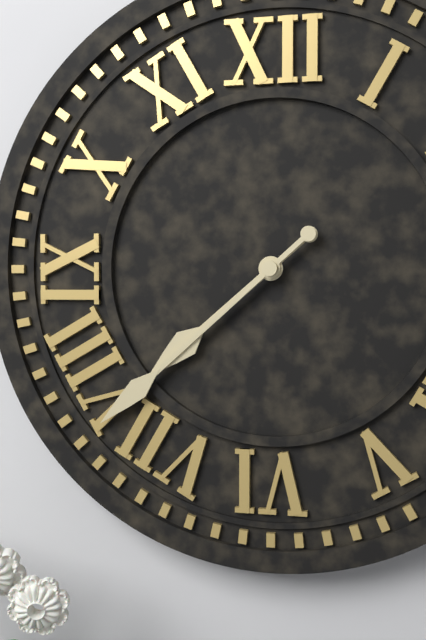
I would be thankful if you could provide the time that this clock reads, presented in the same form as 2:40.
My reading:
7:38
